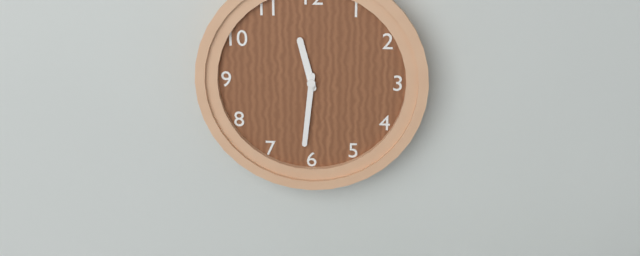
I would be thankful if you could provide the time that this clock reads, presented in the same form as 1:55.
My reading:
11:31
